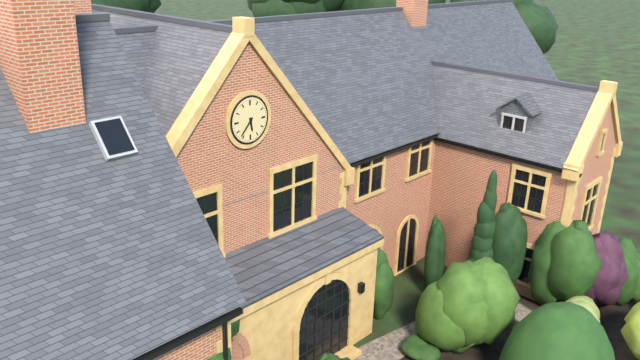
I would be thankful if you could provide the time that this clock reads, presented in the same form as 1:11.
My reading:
5:37
